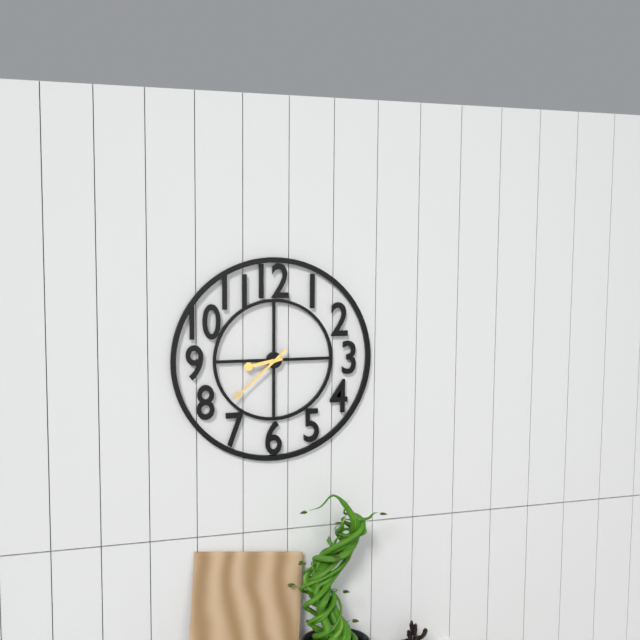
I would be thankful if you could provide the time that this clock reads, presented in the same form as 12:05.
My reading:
8:38
